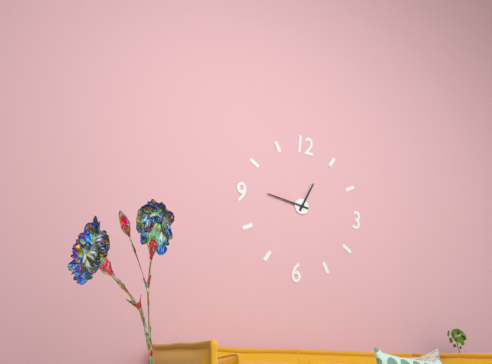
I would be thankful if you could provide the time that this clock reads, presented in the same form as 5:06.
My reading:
12:46
